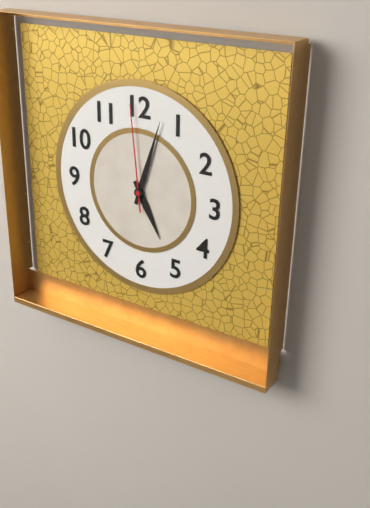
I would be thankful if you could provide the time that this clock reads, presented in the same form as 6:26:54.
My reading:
5:03:59
